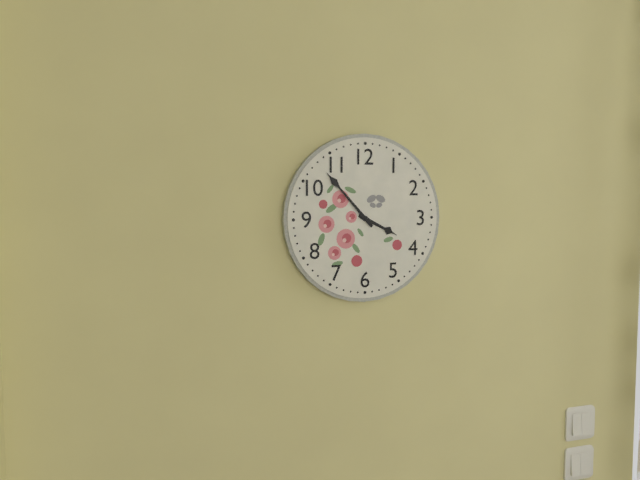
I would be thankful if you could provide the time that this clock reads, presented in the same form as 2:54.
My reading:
3:53
